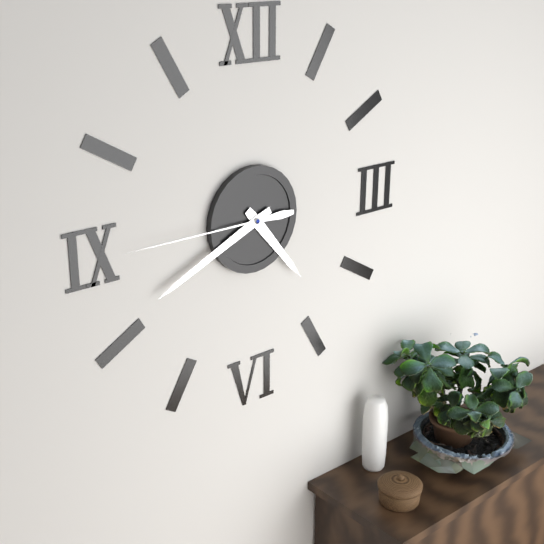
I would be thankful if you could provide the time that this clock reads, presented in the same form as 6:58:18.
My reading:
4:41:45
